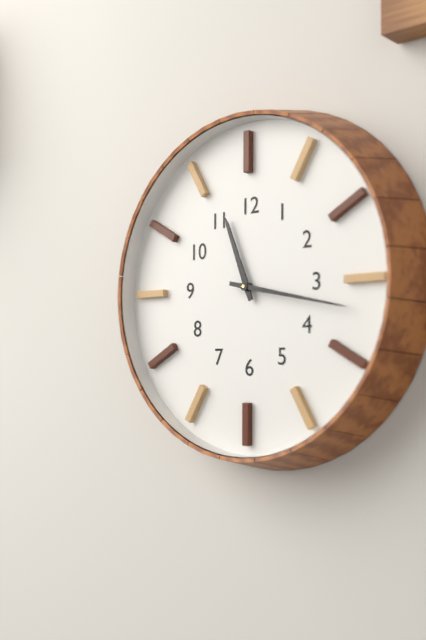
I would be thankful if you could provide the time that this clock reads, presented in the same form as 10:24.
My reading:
11:17
